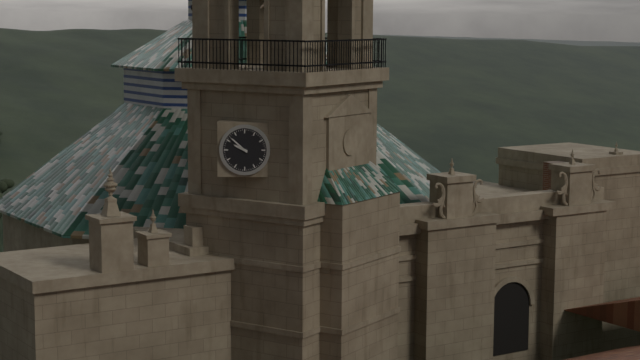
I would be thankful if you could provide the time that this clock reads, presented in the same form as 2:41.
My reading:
9:52
